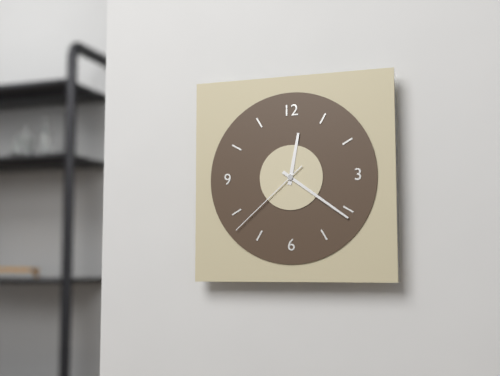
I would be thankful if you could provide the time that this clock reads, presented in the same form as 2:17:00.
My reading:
12:21:38
